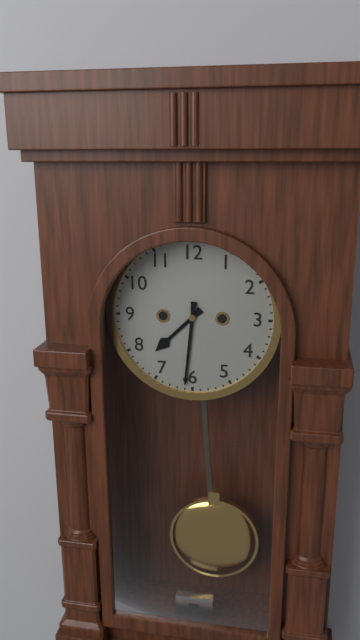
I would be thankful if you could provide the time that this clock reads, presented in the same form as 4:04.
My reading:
7:31
